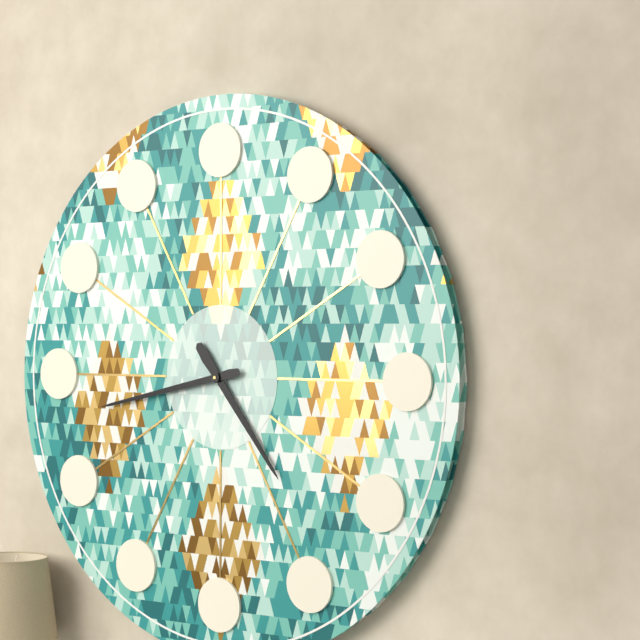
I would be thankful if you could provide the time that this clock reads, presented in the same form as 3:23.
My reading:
4:43
